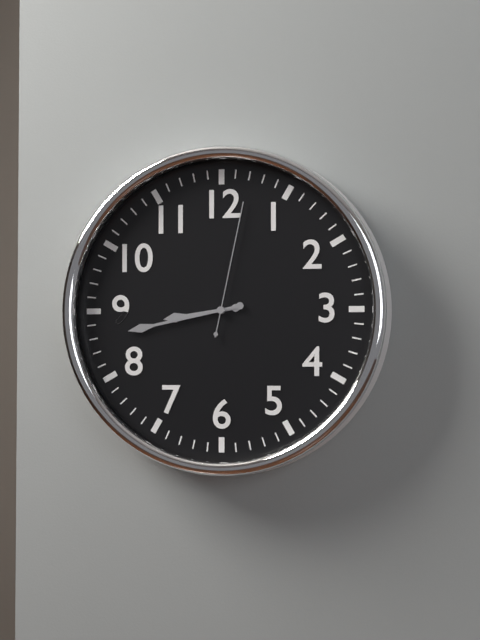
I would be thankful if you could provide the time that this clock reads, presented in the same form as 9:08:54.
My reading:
8:43:02
